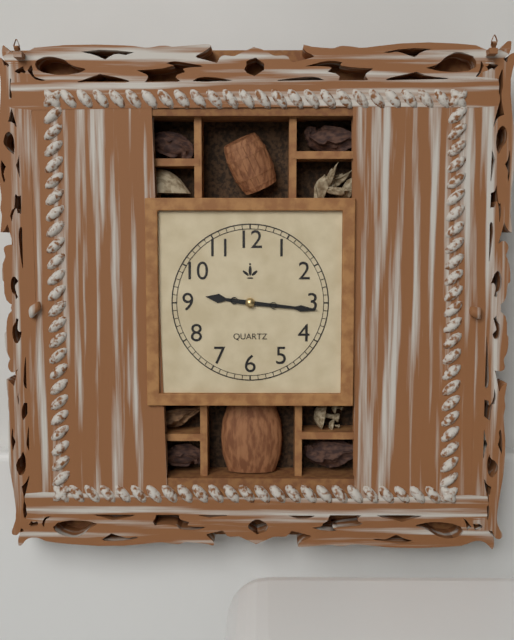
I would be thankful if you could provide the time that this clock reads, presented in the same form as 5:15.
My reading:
9:16
